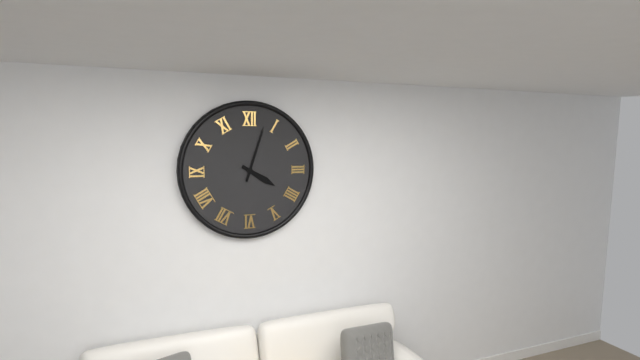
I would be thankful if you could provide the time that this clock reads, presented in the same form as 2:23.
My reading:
4:03
